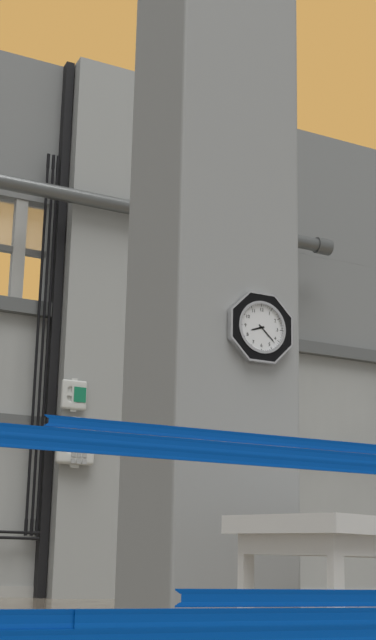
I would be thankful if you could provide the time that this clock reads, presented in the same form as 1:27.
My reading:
8:22
